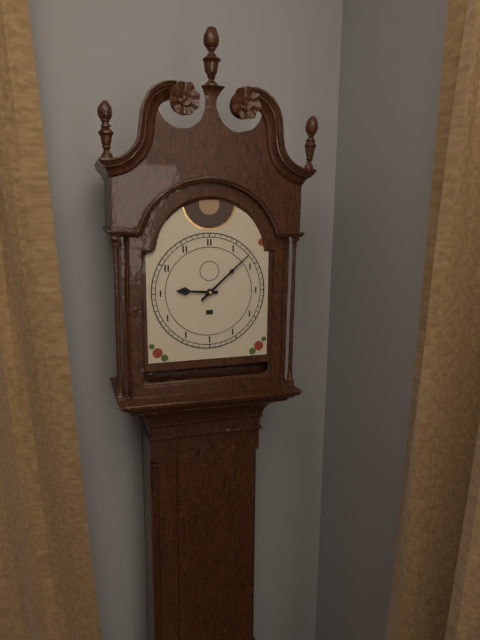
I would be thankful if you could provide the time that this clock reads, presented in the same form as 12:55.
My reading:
9:08
